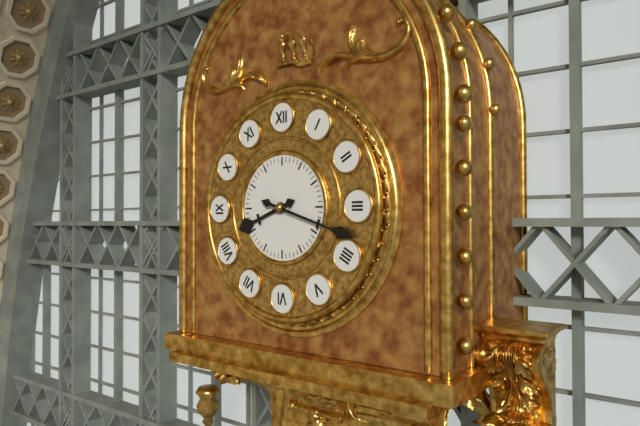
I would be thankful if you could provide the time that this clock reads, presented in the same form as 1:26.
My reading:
8:18
